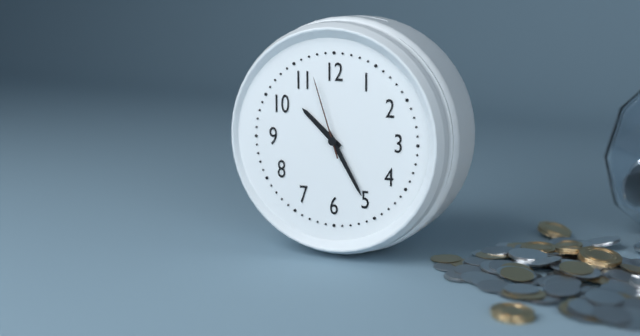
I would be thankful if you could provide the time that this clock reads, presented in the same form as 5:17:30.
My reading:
10:25:57
